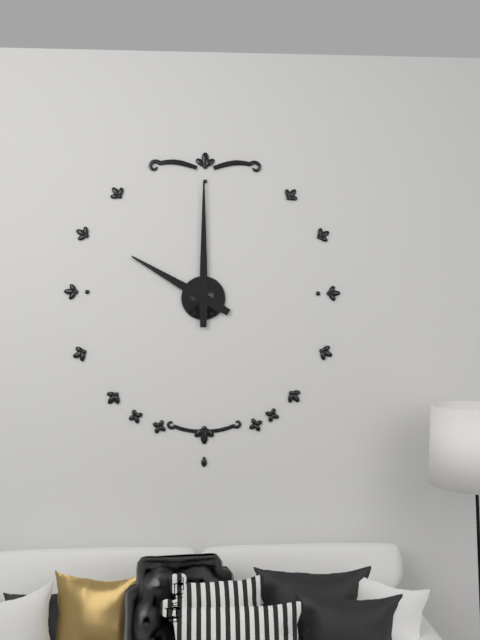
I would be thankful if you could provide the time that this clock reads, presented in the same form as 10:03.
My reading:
10:00
